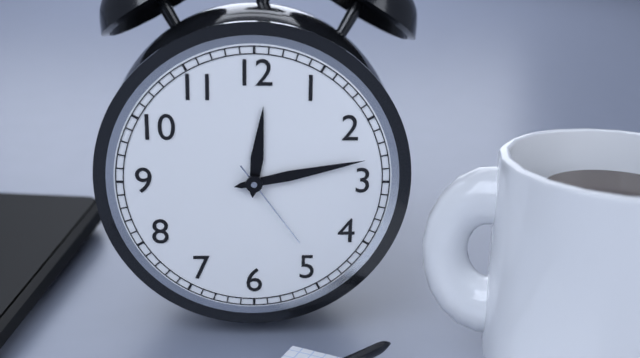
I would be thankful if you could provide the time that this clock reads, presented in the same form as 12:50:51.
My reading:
12:13:24
